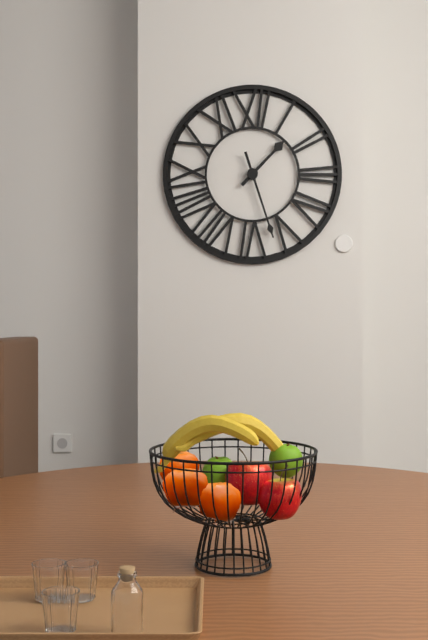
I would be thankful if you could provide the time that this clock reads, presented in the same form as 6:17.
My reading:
1:27
